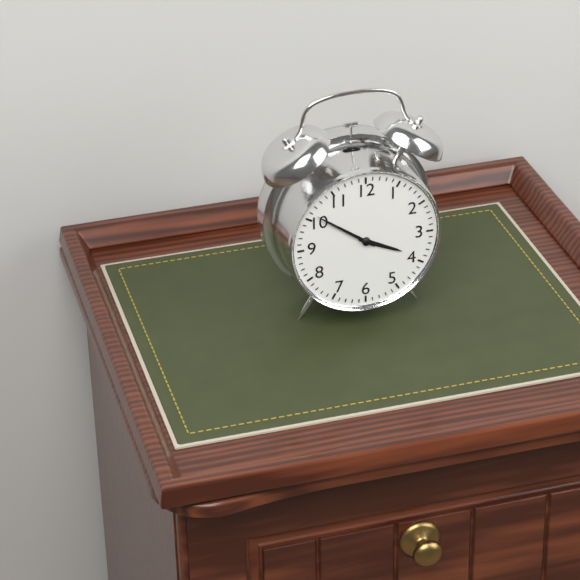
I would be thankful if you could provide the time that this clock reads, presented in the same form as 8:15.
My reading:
3:51
